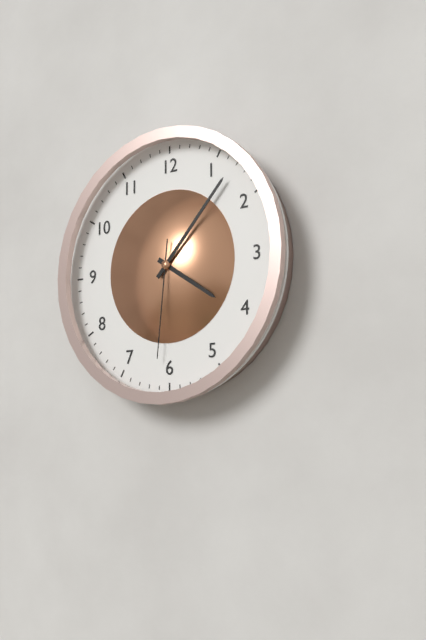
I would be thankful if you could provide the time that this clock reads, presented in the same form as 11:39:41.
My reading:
4:07:31
